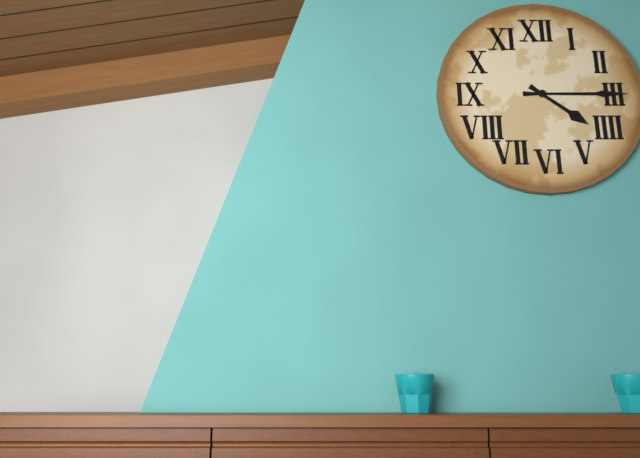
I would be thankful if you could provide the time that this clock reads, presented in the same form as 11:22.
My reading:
4:15
